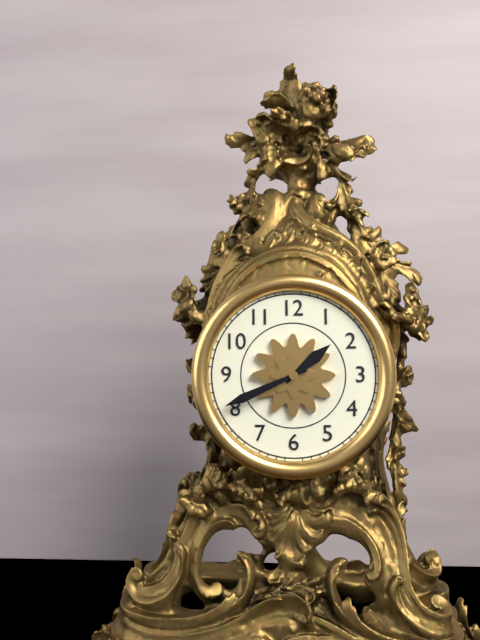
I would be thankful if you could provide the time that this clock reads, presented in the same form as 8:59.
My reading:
1:41
